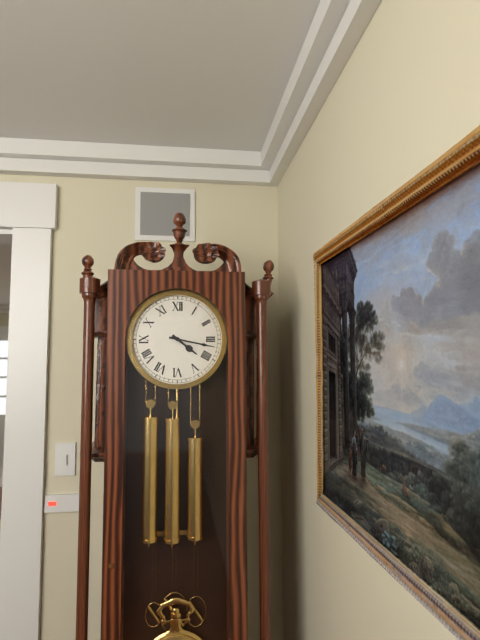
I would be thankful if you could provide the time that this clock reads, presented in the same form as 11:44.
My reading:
4:17
